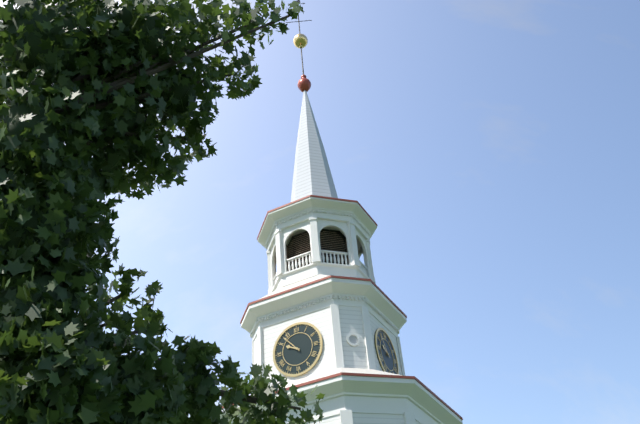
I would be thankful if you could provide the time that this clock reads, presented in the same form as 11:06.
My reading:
9:53
